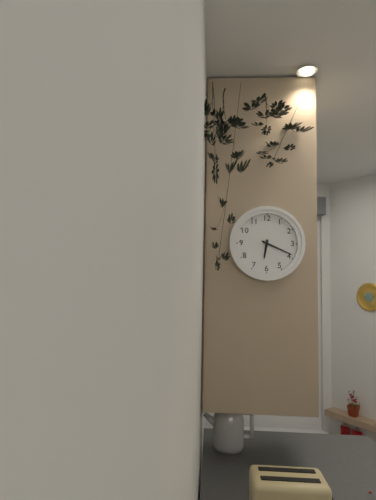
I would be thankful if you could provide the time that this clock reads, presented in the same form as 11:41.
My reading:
6:19
